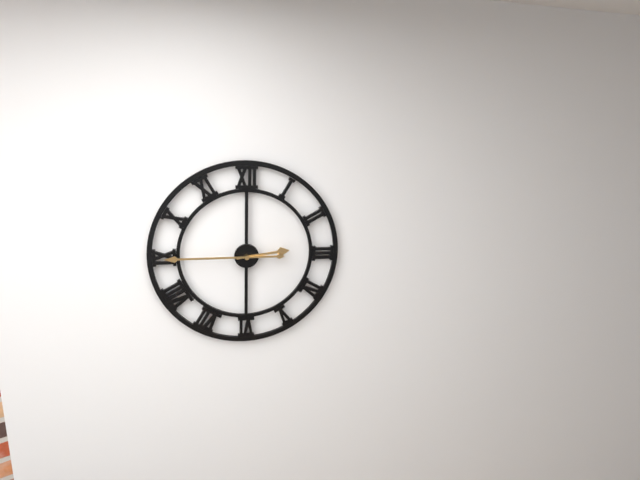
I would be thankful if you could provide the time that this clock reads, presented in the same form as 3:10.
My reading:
2:45
